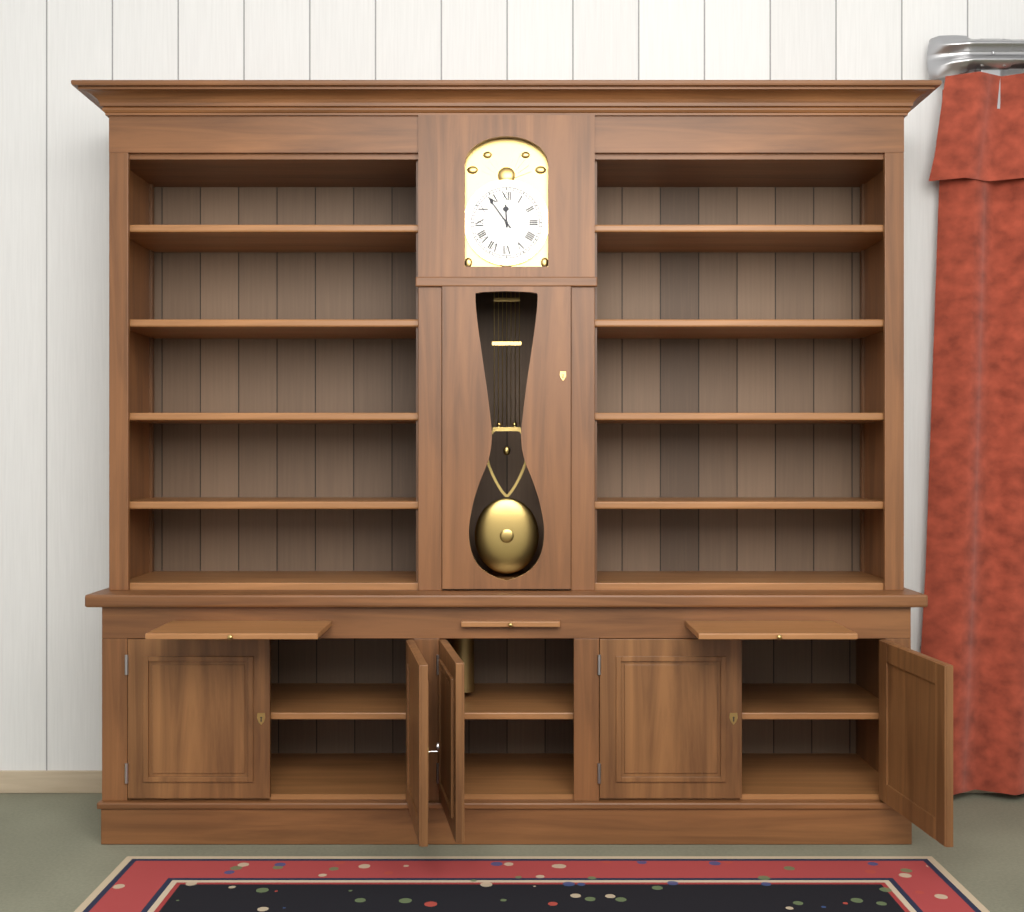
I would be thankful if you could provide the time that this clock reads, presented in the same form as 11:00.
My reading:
11:54
